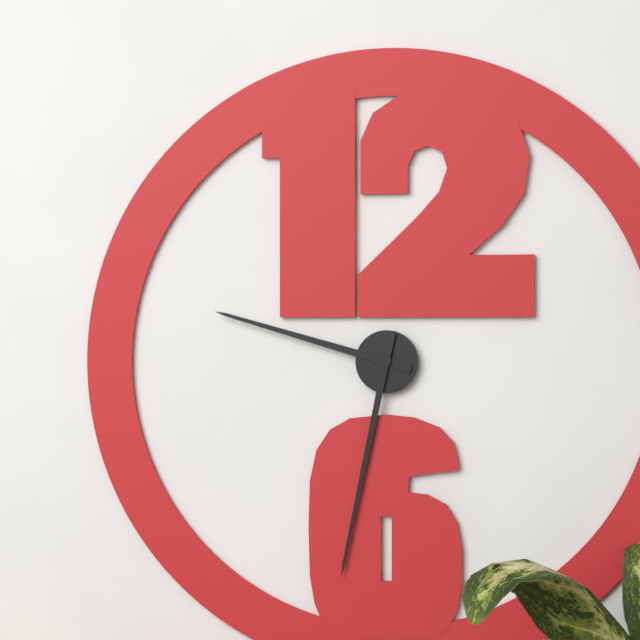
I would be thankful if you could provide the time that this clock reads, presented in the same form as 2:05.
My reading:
9:32
